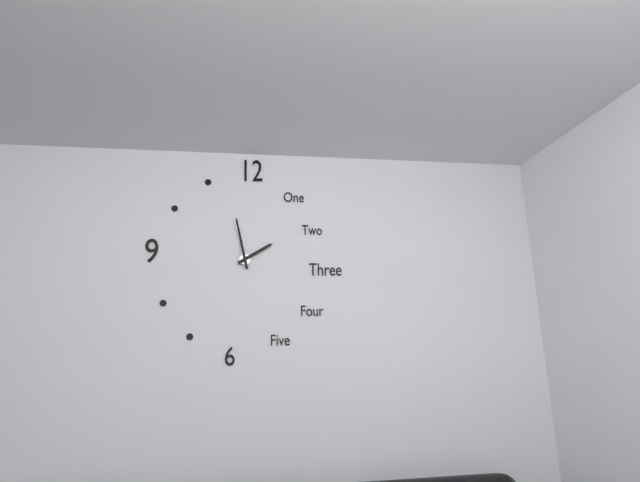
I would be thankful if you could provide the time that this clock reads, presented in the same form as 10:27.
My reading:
1:58
